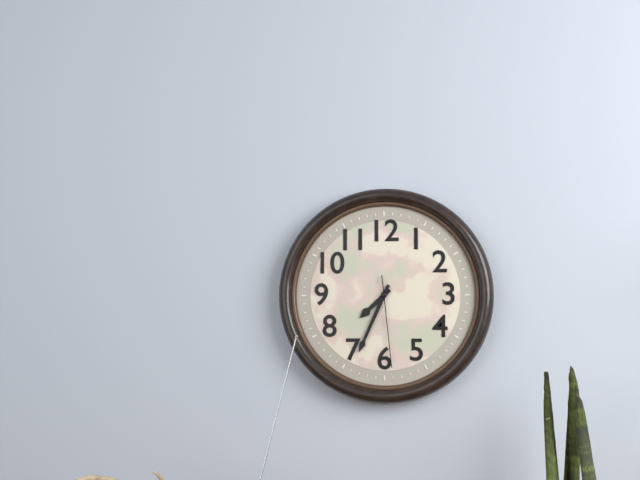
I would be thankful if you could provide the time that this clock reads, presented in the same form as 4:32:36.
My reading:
7:34:29
